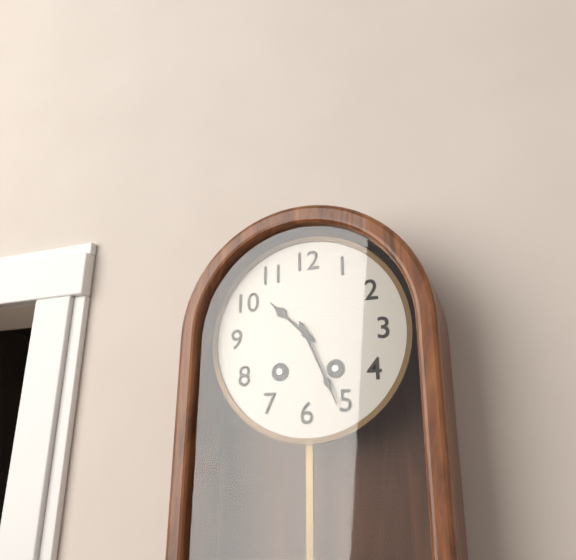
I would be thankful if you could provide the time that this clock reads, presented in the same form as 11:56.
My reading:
10:26
